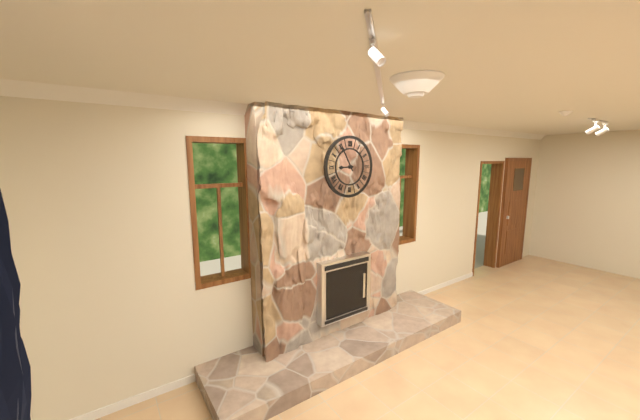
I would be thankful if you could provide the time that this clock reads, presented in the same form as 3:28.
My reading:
8:55
